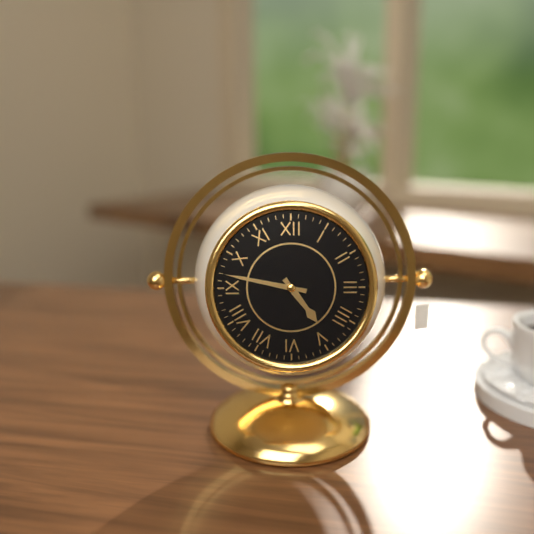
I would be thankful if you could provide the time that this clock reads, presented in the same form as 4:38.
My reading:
4:47
